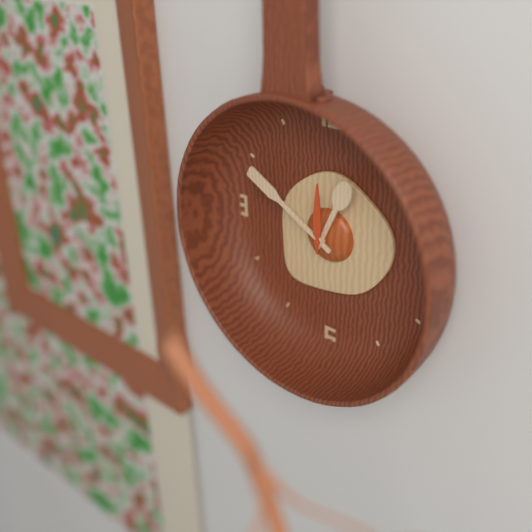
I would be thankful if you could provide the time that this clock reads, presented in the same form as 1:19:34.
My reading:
12:50:00
